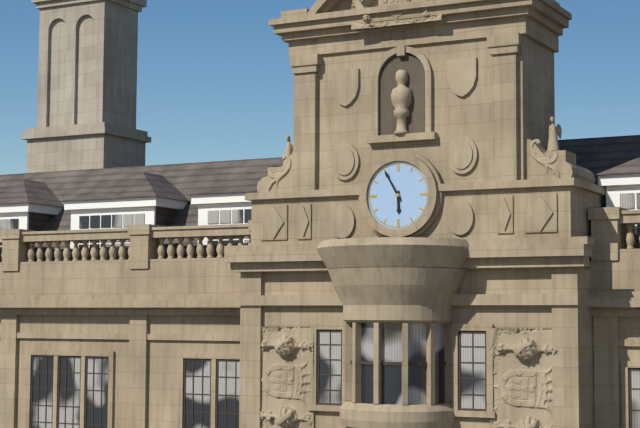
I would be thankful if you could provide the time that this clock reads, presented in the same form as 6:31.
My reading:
5:55
